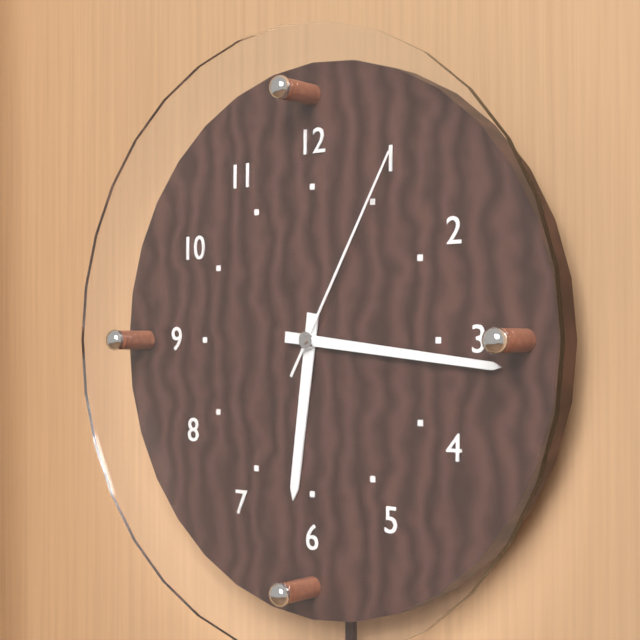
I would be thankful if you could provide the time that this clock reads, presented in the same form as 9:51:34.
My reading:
6:16:05
